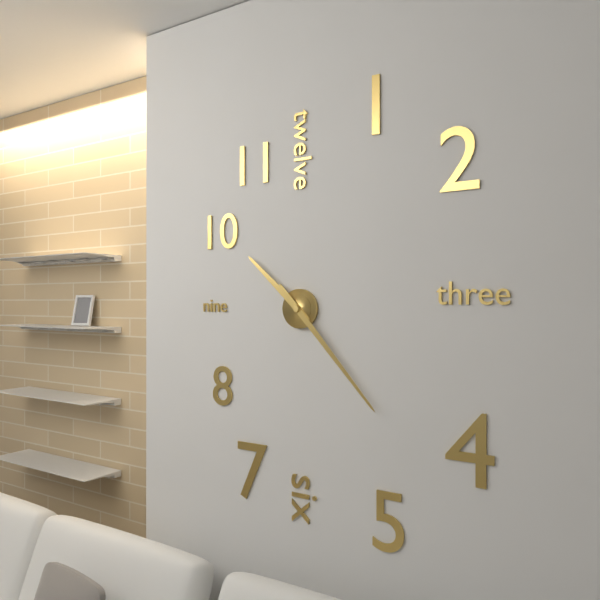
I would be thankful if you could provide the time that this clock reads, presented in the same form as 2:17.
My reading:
10:23
